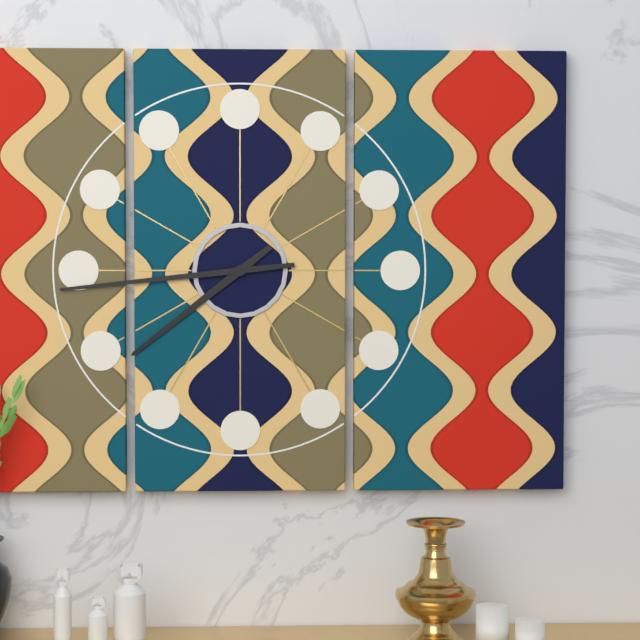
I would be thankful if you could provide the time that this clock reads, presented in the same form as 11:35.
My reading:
7:44
